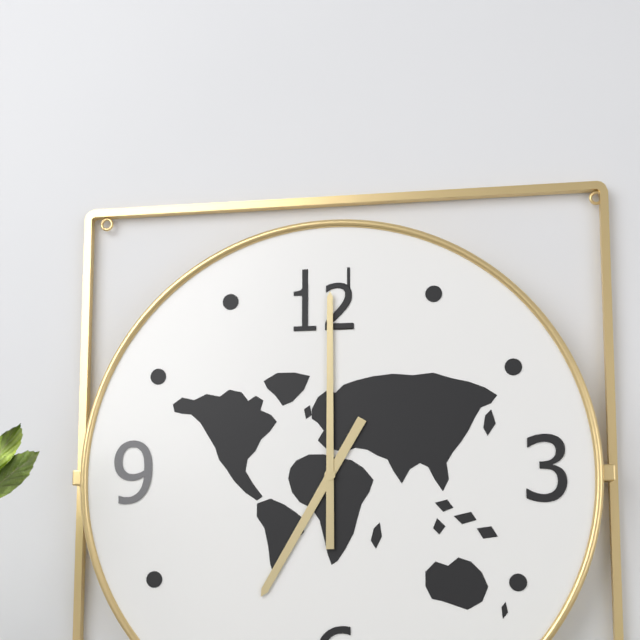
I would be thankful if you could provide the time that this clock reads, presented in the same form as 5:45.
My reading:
7:00
